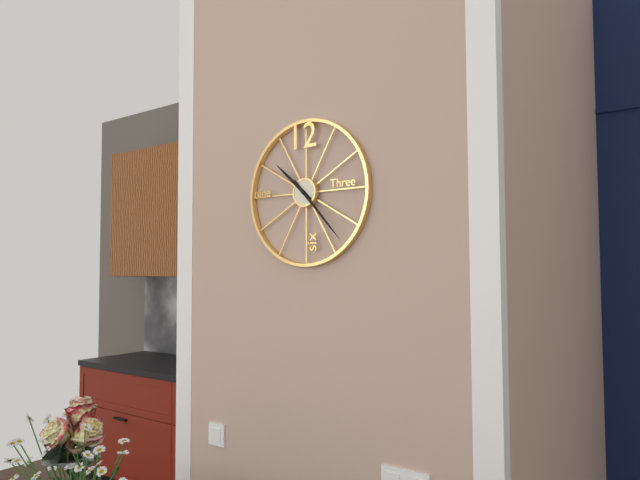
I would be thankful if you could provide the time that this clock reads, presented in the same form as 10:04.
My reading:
10:23
